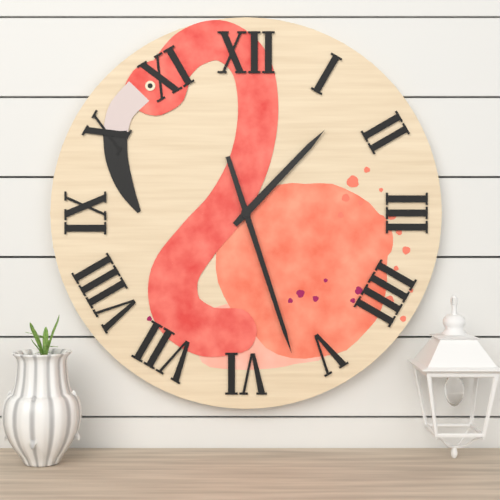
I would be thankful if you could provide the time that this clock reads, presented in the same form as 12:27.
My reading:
1:27
